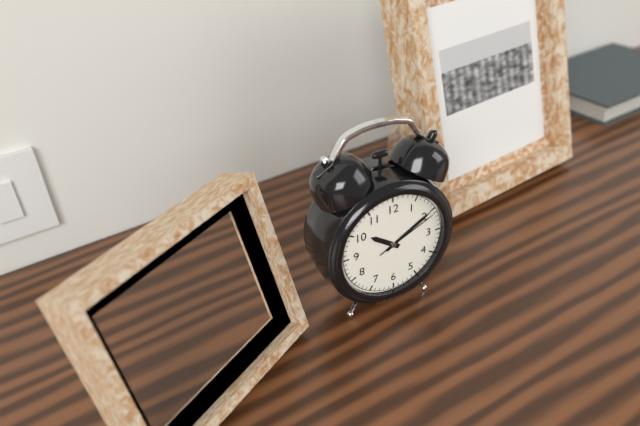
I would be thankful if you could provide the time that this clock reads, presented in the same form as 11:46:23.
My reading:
10:10:11
